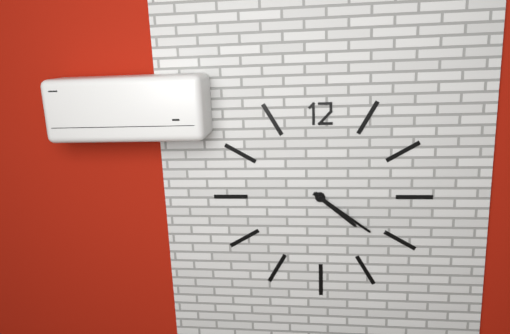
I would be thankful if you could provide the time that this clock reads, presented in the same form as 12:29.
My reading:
4:21
